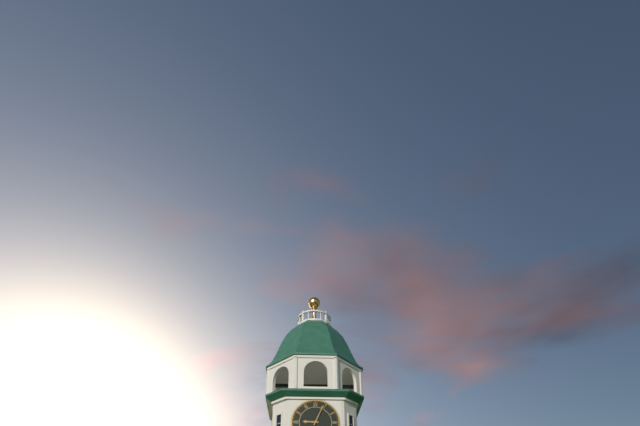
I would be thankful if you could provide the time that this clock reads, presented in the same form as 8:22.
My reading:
9:04
